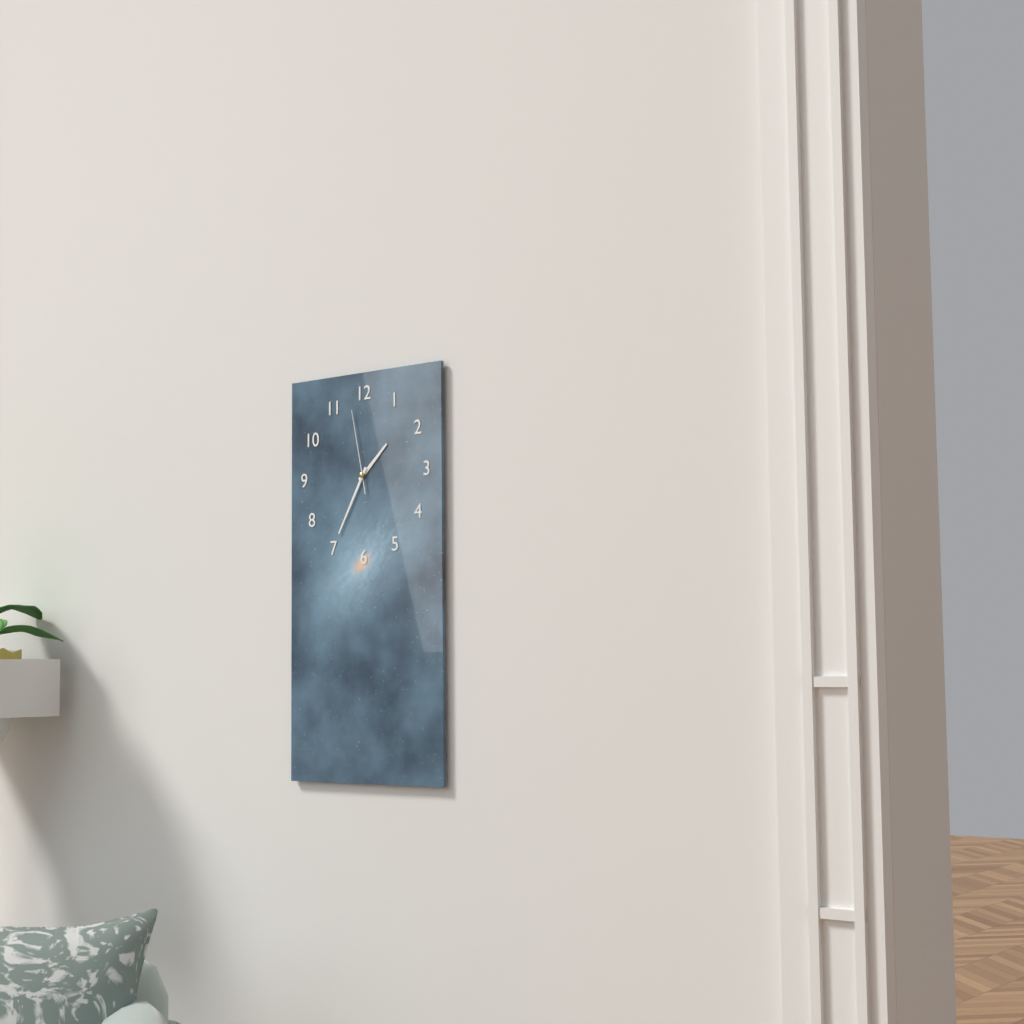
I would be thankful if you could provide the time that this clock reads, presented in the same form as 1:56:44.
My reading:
1:35:58
